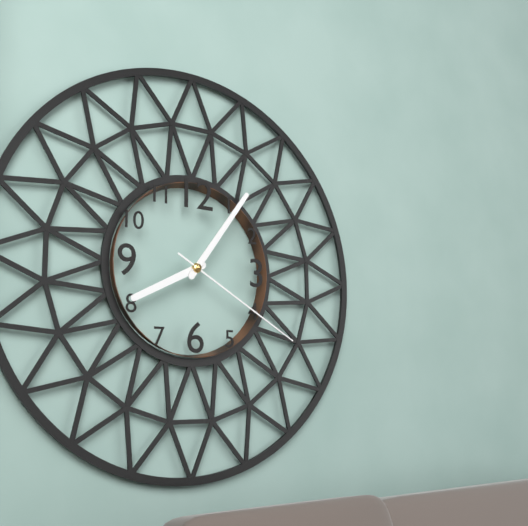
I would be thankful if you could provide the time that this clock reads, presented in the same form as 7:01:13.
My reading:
8:06:20
